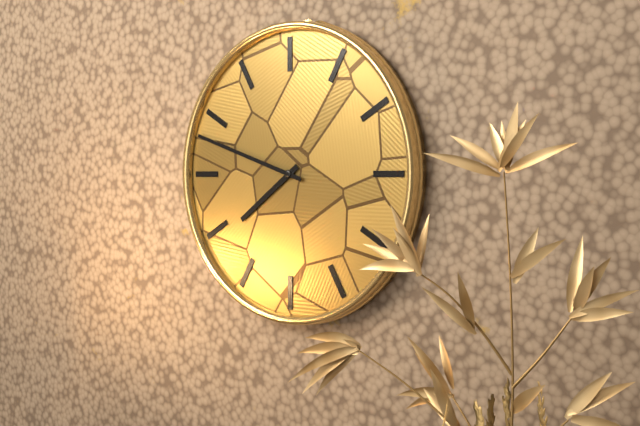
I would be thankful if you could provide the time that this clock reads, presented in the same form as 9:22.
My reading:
7:48
